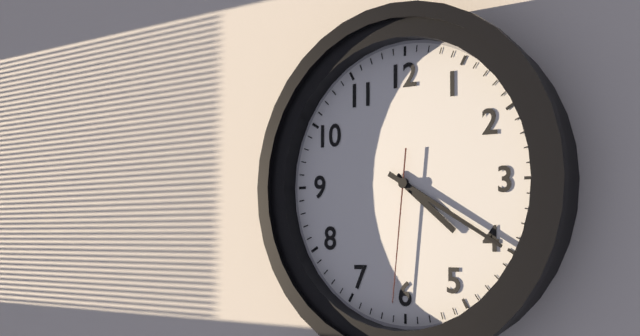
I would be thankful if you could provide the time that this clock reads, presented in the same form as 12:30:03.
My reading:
4:20:31
